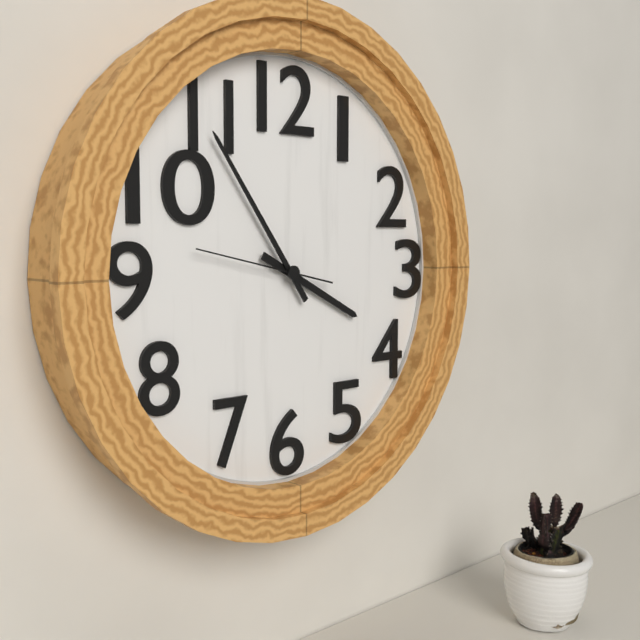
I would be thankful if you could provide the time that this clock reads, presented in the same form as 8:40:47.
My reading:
3:54:47
